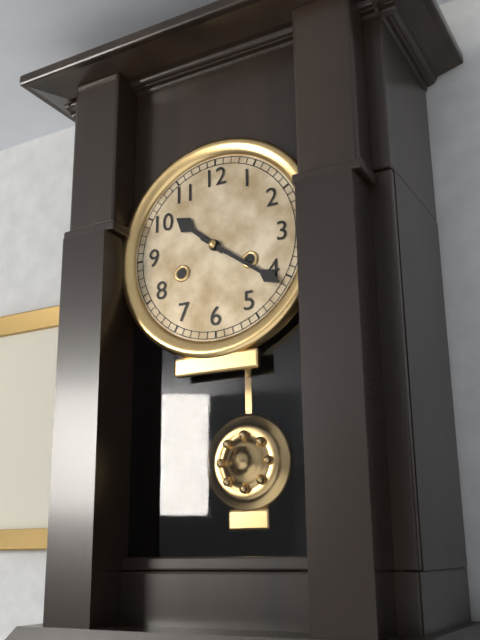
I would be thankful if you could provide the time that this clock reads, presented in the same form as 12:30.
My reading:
10:21
